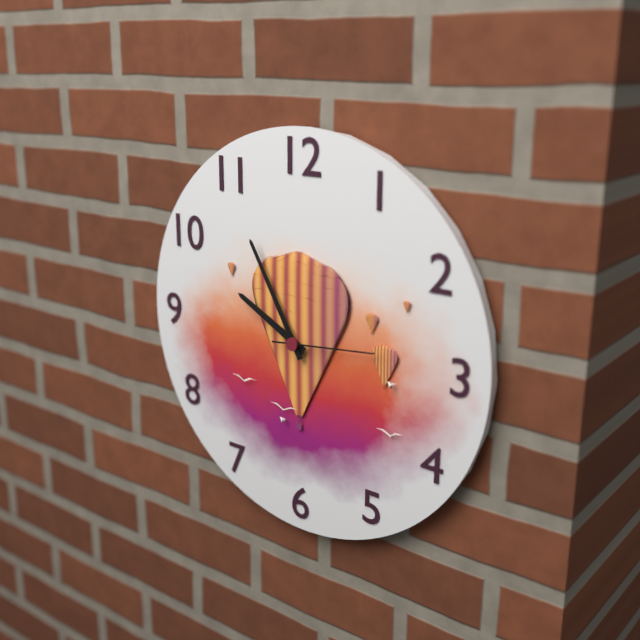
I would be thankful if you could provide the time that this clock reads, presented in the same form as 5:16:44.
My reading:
9:55:14
